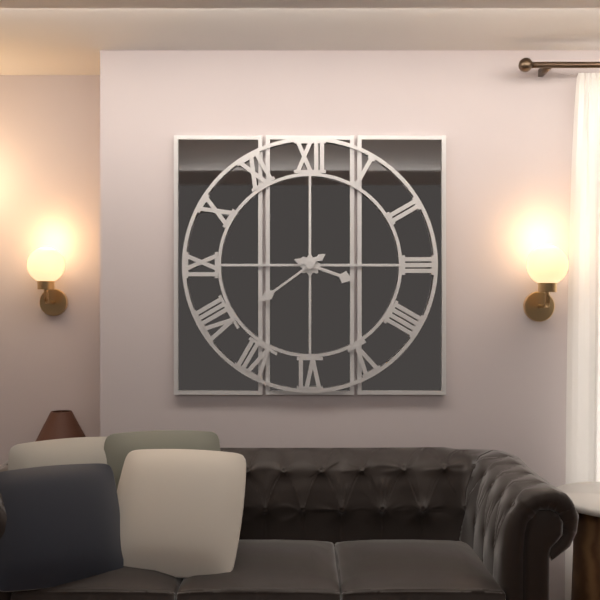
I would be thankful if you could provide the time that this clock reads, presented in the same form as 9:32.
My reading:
3:39
